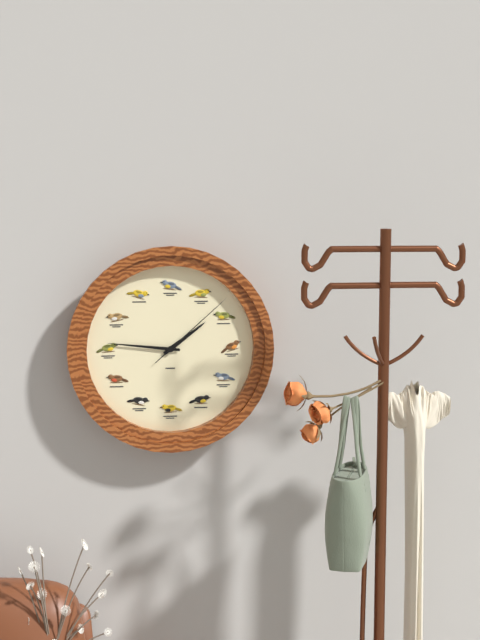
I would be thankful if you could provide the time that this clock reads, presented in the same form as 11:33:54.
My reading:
1:46:08
